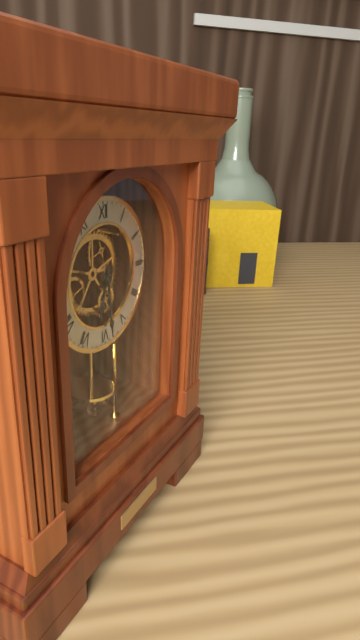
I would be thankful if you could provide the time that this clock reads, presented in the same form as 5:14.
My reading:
6:29
